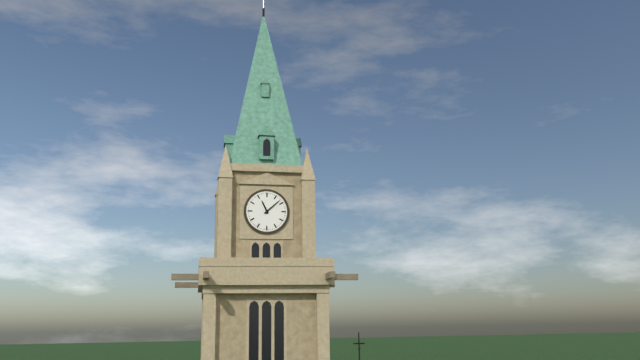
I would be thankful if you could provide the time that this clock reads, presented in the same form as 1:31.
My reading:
11:08
